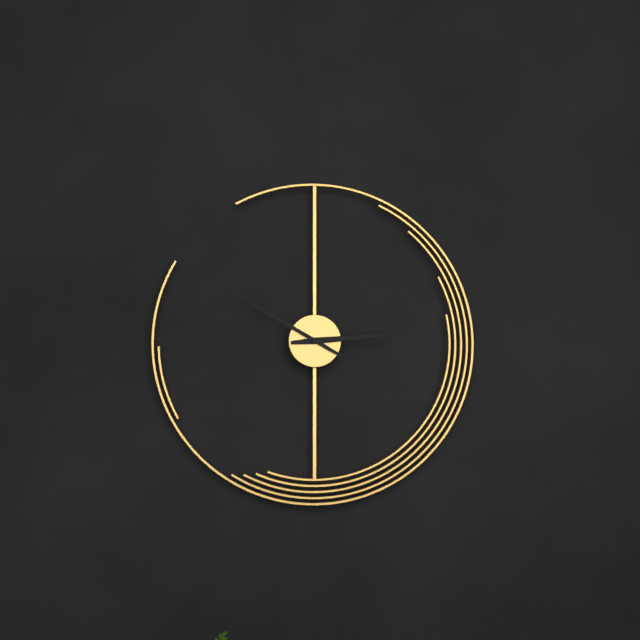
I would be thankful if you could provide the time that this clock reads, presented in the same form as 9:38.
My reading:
2:50
